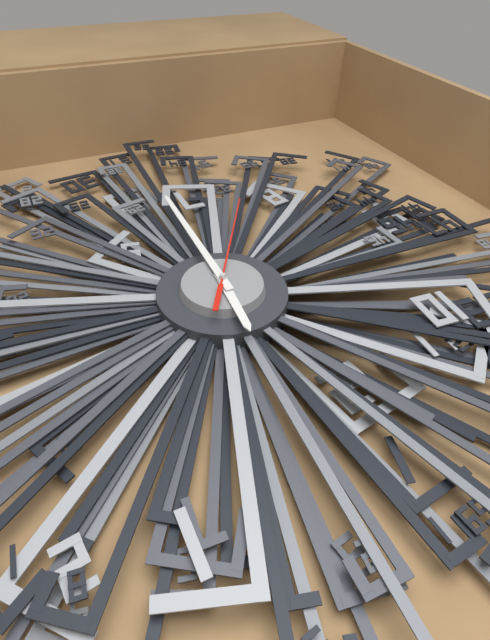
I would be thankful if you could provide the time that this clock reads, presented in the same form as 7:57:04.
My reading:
12:32:37
